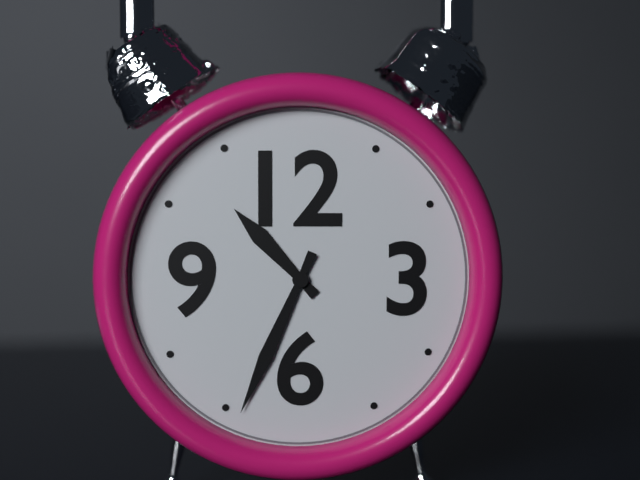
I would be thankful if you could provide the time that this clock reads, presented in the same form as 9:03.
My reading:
10:34
